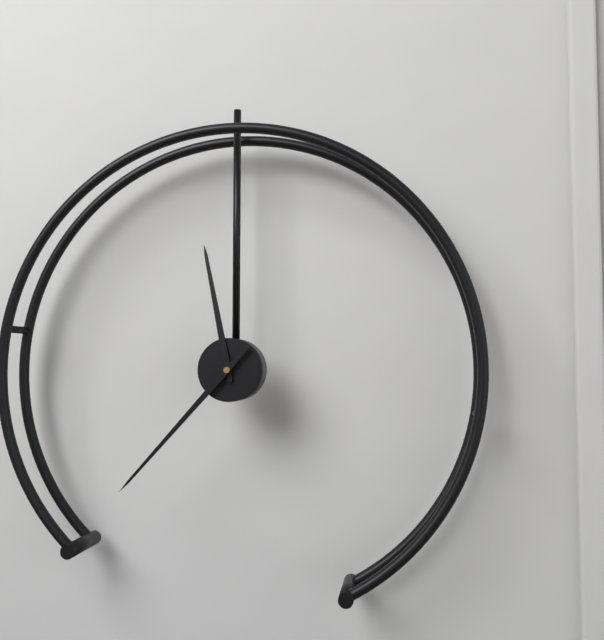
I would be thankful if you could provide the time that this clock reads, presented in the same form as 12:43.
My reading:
11:37
